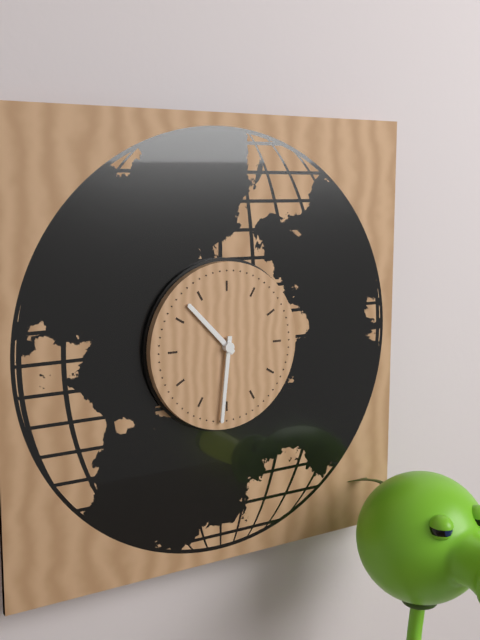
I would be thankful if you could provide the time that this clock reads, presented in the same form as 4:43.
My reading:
10:31
